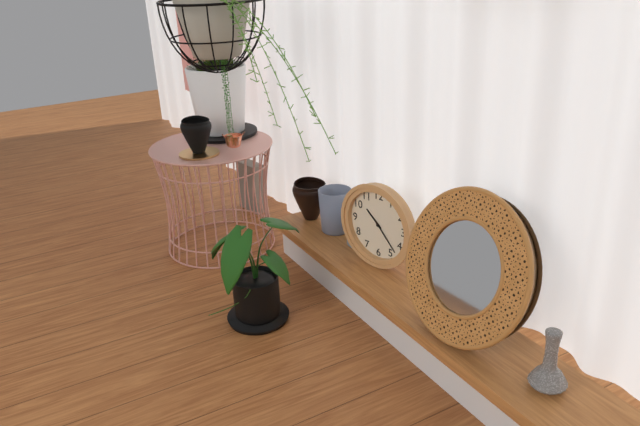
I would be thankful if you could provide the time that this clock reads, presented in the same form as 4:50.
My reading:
10:23
